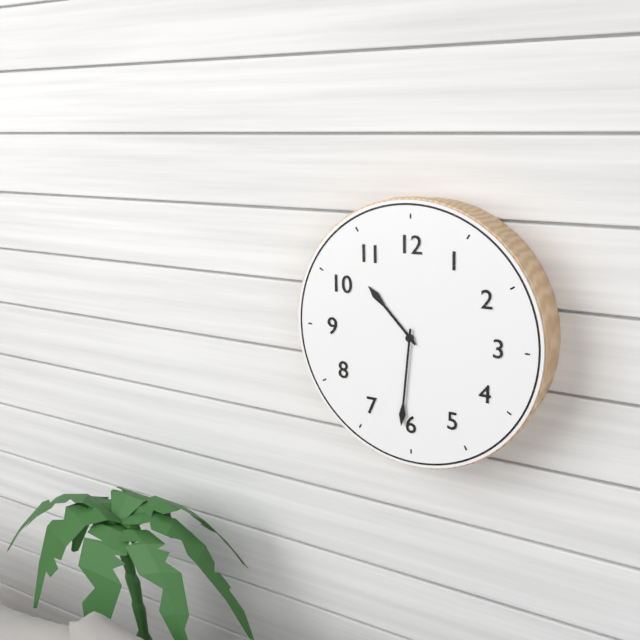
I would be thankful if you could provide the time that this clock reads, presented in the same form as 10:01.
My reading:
10:31
